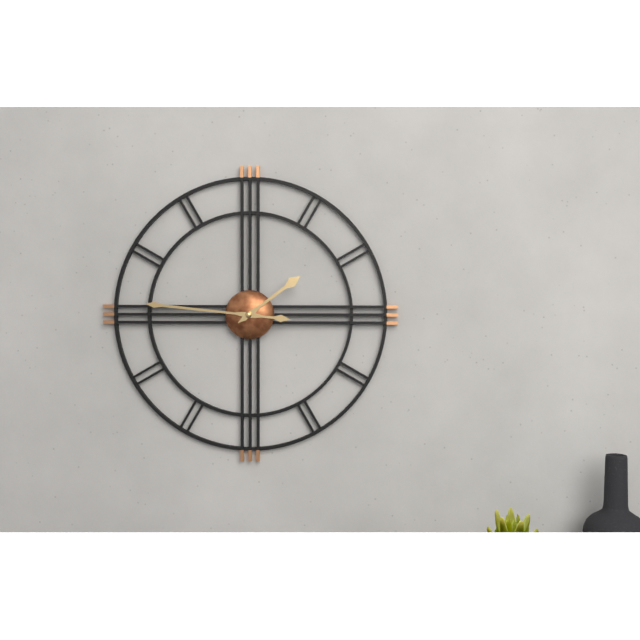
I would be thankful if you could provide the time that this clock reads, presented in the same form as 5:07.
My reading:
1:46
